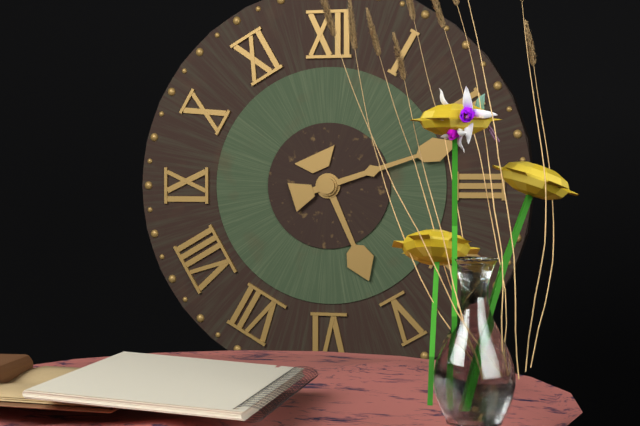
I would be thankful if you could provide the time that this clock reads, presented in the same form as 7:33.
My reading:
5:12
